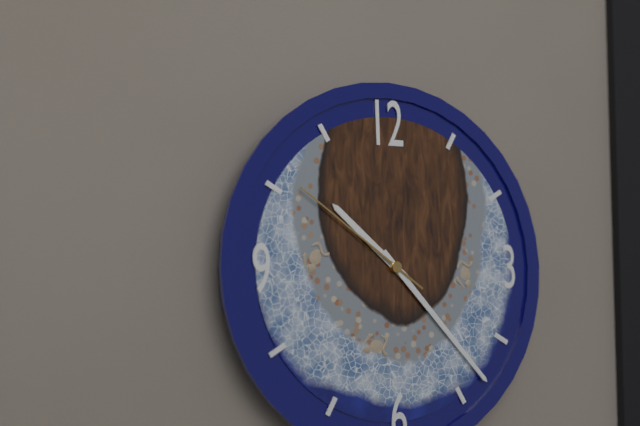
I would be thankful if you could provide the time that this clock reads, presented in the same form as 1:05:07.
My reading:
10:23:51
